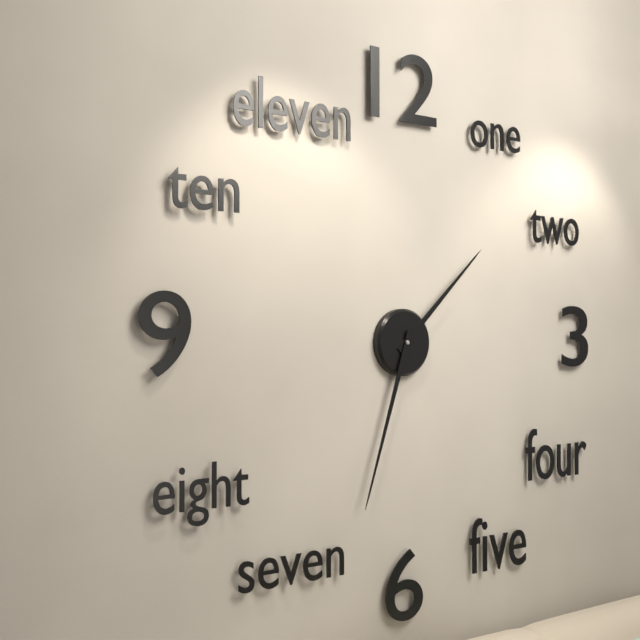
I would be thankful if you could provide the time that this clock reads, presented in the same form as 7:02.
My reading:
1:33
